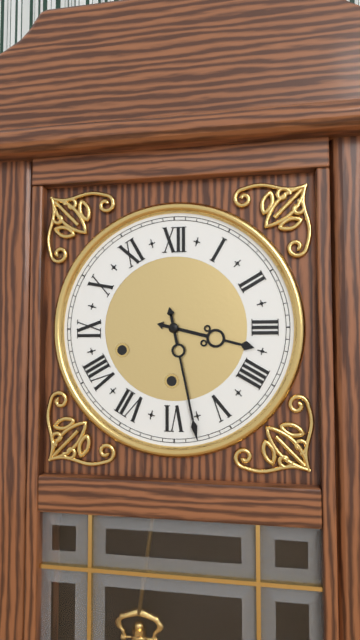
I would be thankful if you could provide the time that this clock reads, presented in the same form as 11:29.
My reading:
3:28
